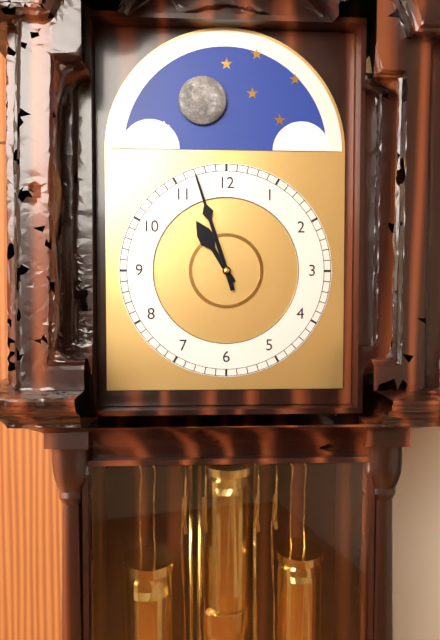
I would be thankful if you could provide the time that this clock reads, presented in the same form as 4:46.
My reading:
10:57
